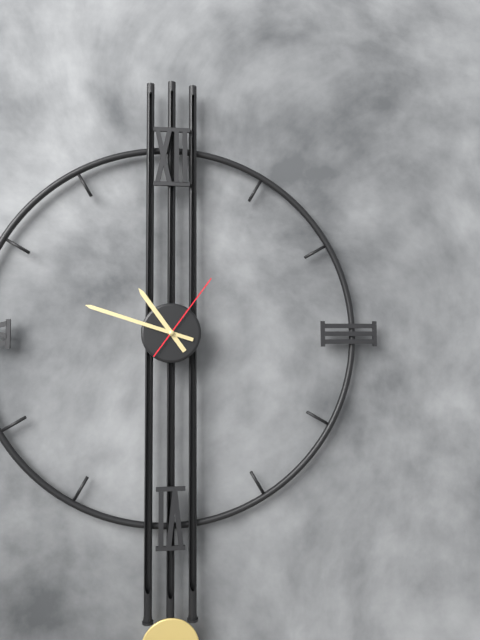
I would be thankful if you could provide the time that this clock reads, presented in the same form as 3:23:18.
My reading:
10:48:06
